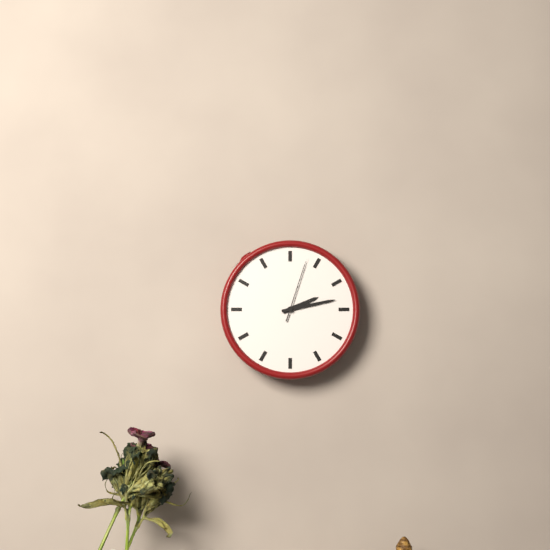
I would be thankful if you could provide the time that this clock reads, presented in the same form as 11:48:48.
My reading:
2:13:03
